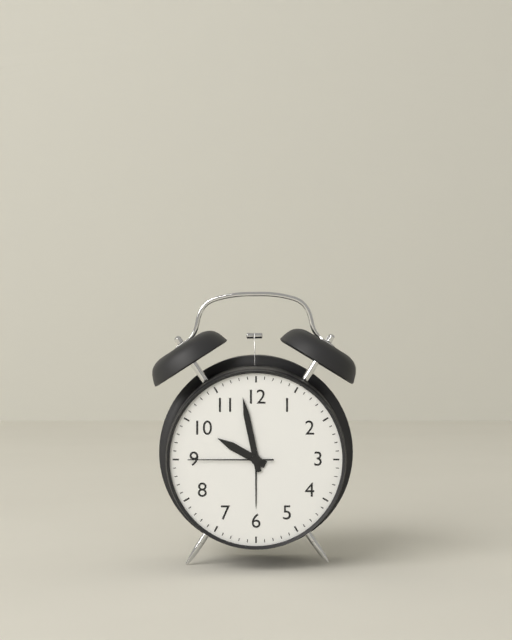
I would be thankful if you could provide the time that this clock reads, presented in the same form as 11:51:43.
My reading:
9:58:45
